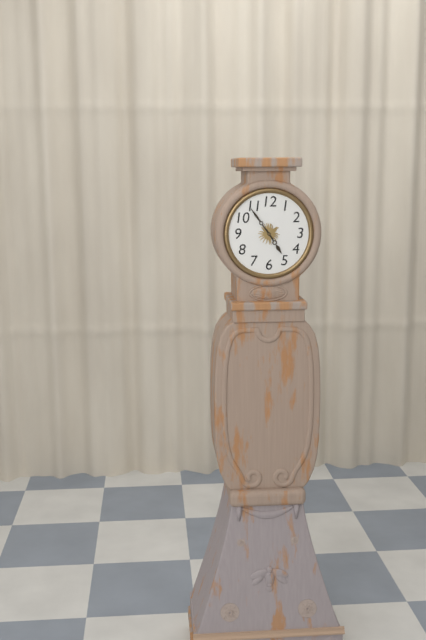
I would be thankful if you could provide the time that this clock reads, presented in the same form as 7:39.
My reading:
4:54
